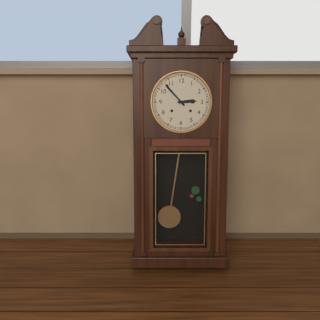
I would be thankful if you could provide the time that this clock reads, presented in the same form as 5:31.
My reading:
2:53
